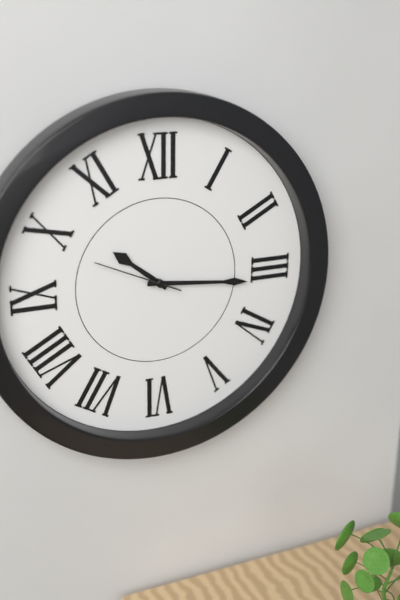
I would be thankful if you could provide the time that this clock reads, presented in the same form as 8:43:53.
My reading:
10:16:49
